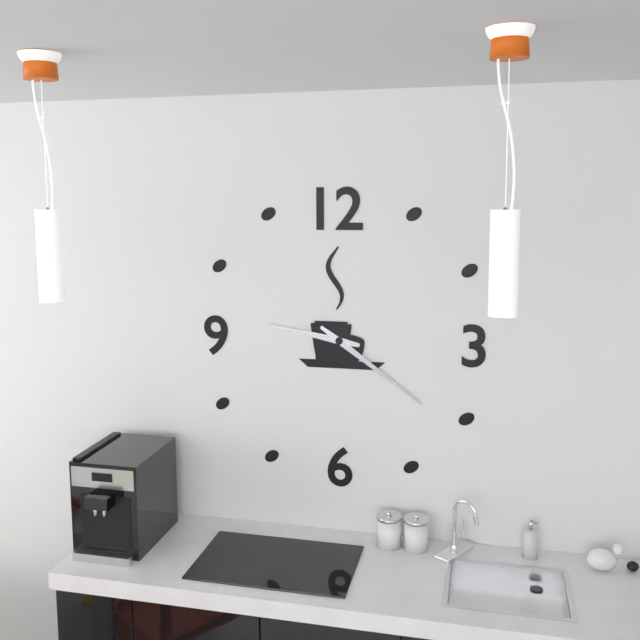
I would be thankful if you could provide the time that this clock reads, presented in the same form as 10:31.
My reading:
9:21
